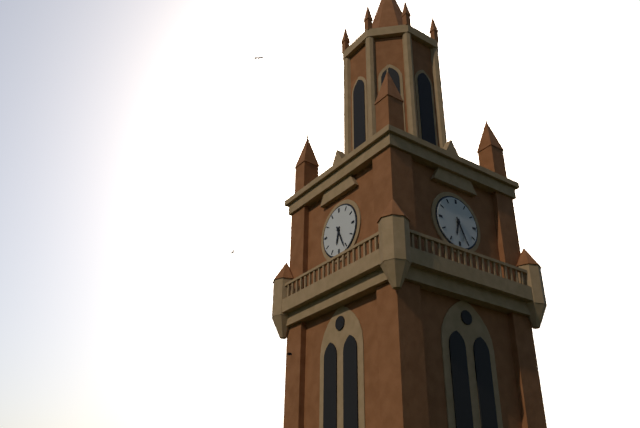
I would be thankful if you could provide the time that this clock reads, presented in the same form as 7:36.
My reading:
6:26
